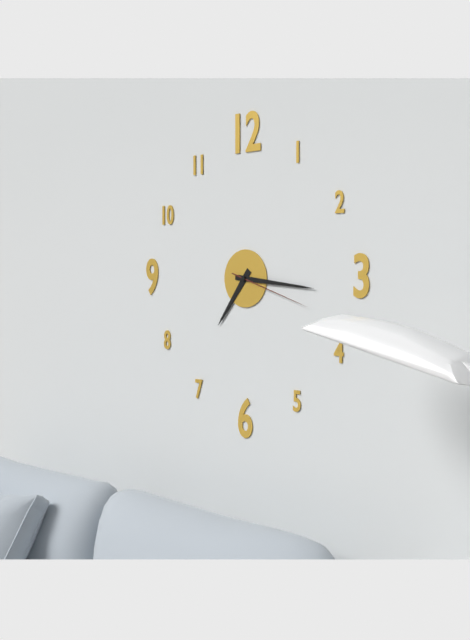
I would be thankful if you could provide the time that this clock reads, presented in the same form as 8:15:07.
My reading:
7:16:18
